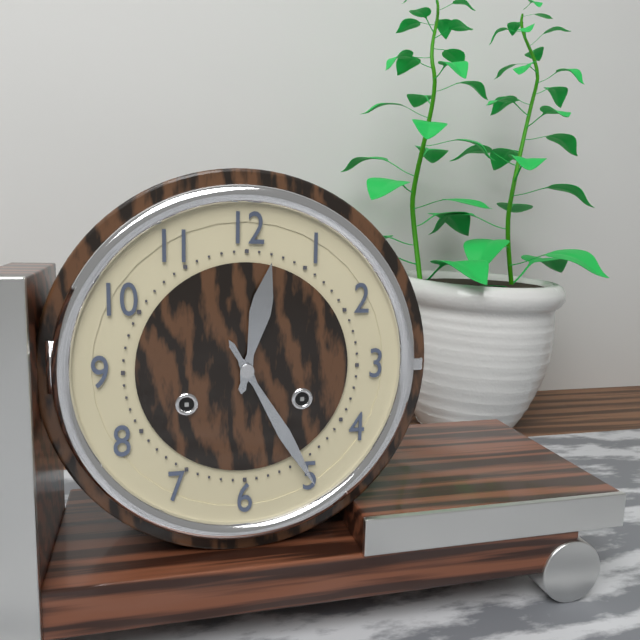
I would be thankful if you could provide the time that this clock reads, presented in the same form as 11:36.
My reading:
12:25
